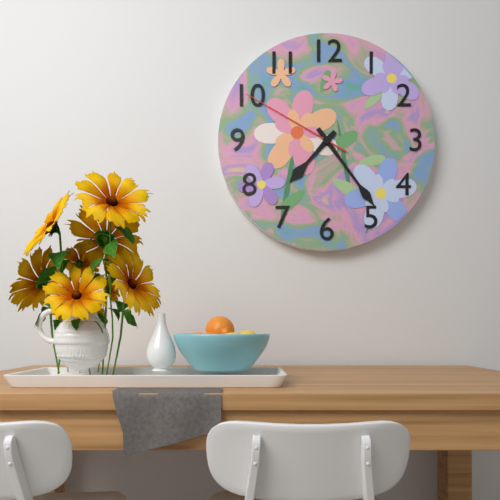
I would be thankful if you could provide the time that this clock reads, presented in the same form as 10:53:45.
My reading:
7:24:50
